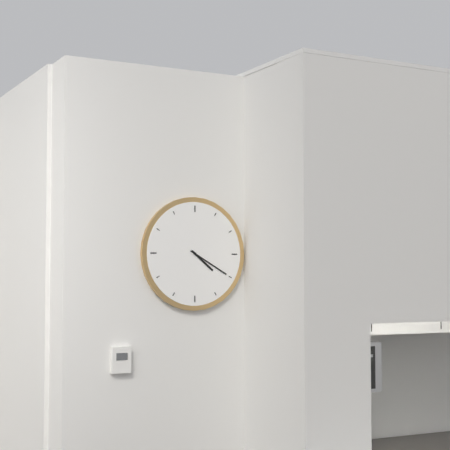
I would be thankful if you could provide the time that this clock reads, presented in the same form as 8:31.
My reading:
4:20
